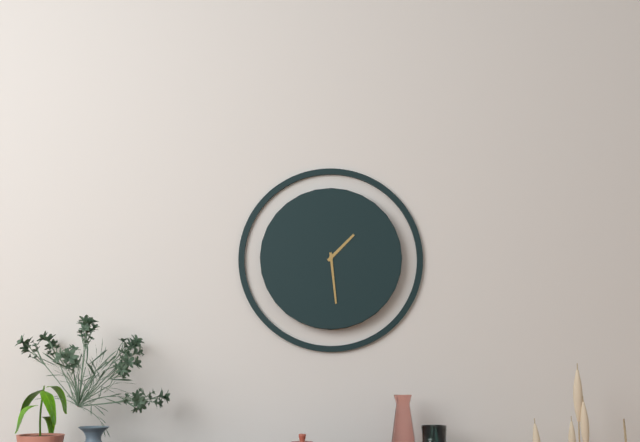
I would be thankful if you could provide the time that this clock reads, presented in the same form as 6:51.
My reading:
1:29
